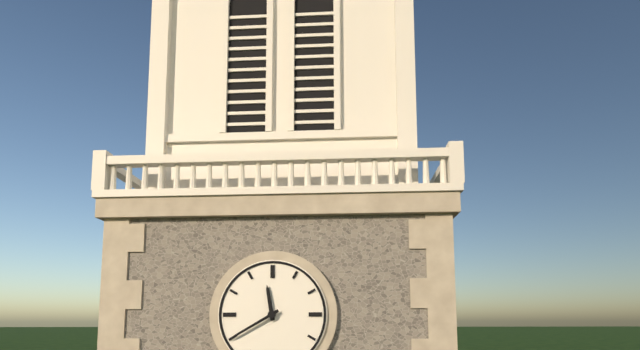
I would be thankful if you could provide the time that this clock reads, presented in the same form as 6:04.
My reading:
11:40
